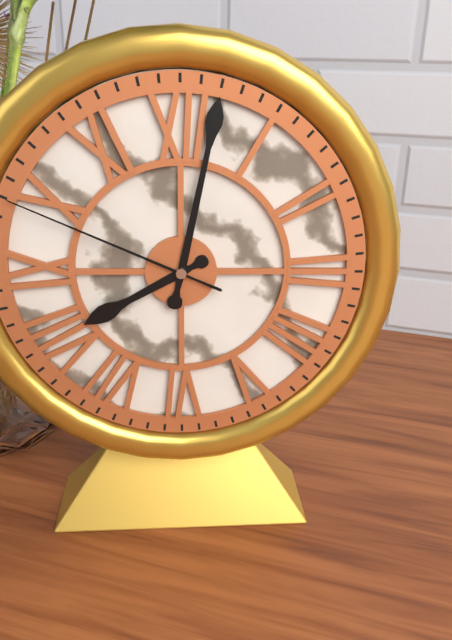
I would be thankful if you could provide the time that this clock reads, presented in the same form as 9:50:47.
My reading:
8:02:49
